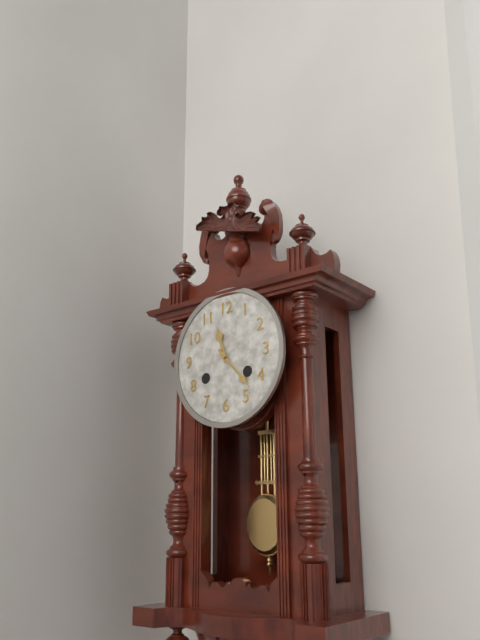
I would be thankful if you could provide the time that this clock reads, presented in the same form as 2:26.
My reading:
11:23
